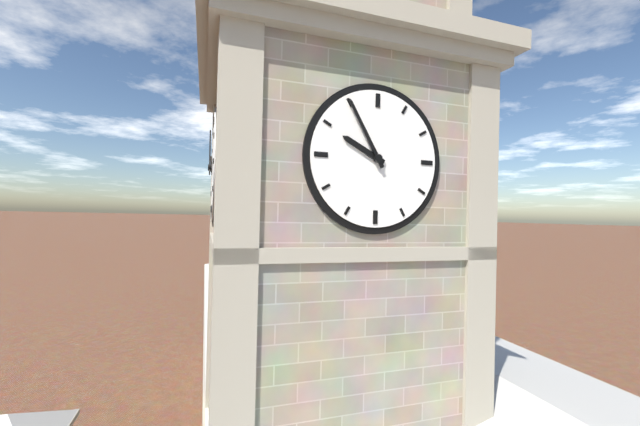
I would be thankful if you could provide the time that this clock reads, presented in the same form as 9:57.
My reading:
9:55
